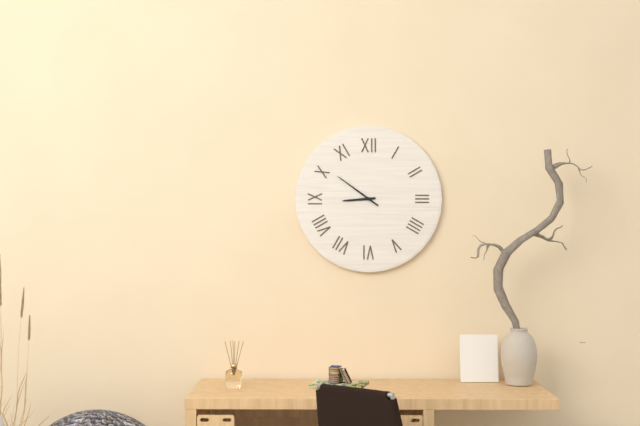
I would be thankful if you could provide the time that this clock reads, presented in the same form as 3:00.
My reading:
8:51
